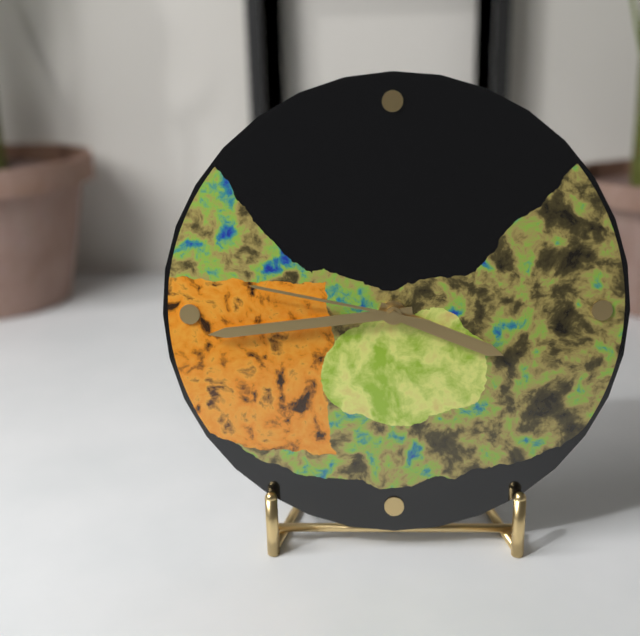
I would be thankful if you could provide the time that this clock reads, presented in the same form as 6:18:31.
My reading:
3:44:47
